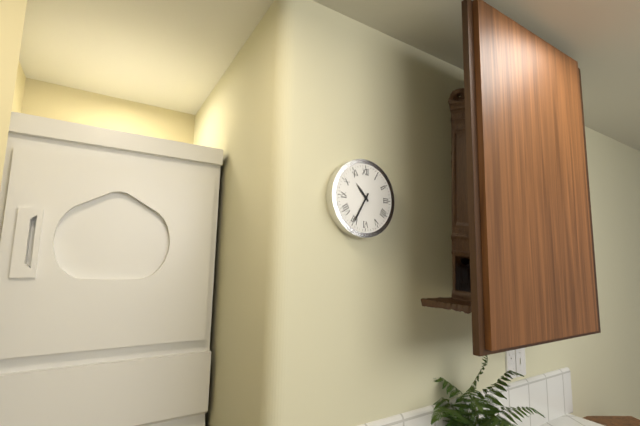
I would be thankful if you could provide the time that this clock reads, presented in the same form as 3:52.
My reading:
10:35
